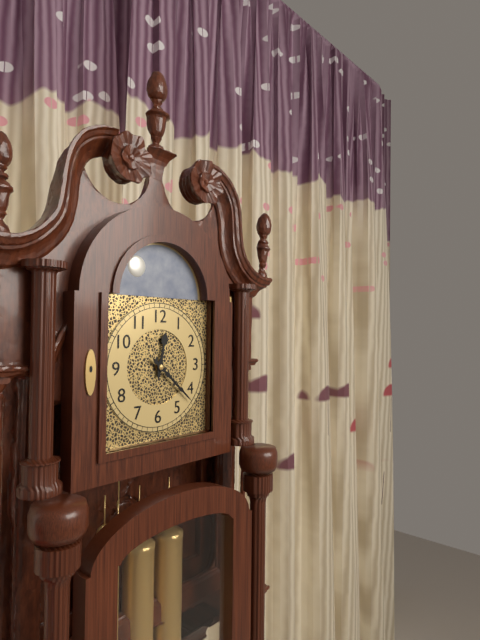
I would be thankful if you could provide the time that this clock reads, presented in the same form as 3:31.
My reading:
12:22
